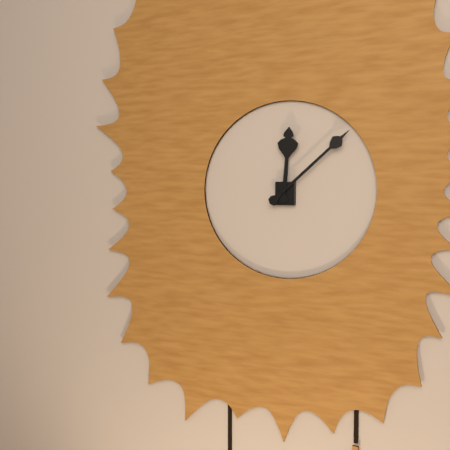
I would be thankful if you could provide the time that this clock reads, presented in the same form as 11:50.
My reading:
12:08
